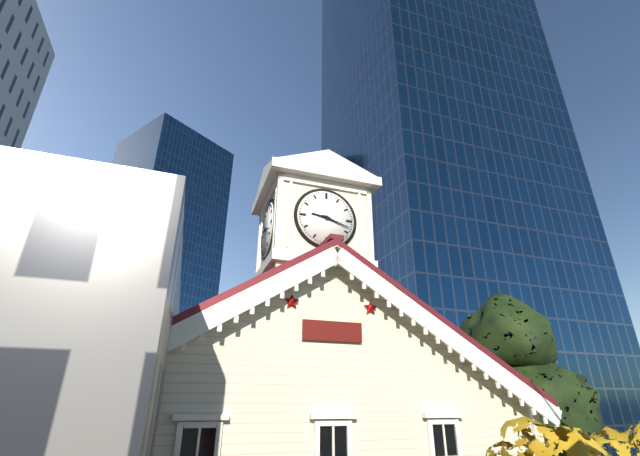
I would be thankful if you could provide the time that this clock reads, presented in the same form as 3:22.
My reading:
9:18
